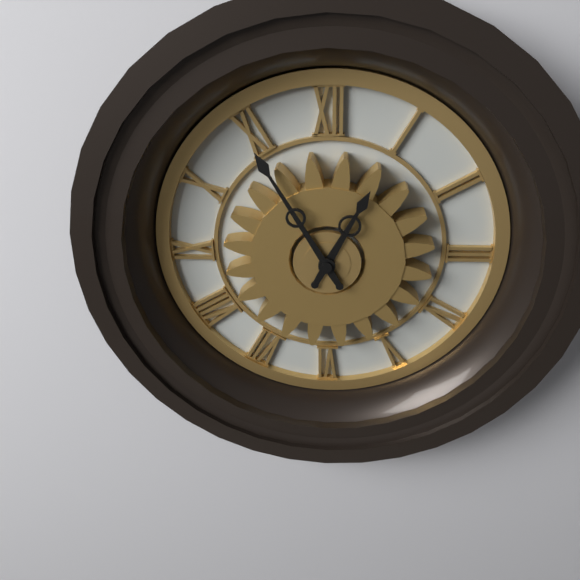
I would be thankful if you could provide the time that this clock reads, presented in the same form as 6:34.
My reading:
12:55
